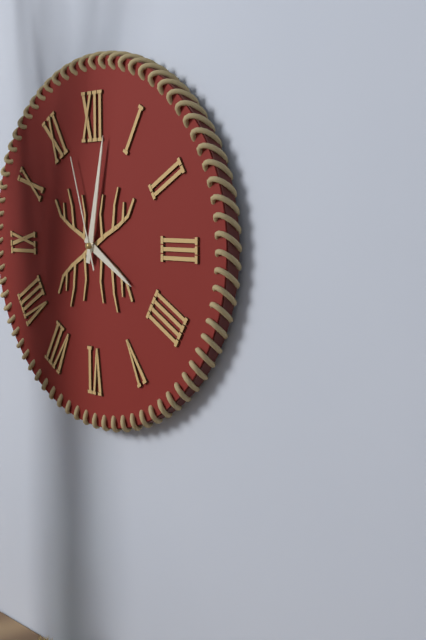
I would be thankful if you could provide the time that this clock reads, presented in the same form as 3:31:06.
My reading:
4:02:57
